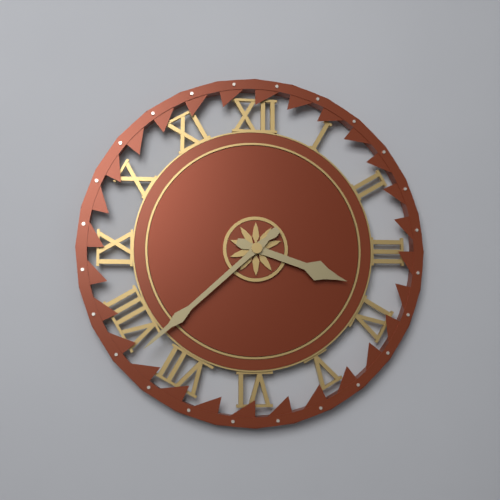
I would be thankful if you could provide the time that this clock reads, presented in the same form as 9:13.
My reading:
3:38
